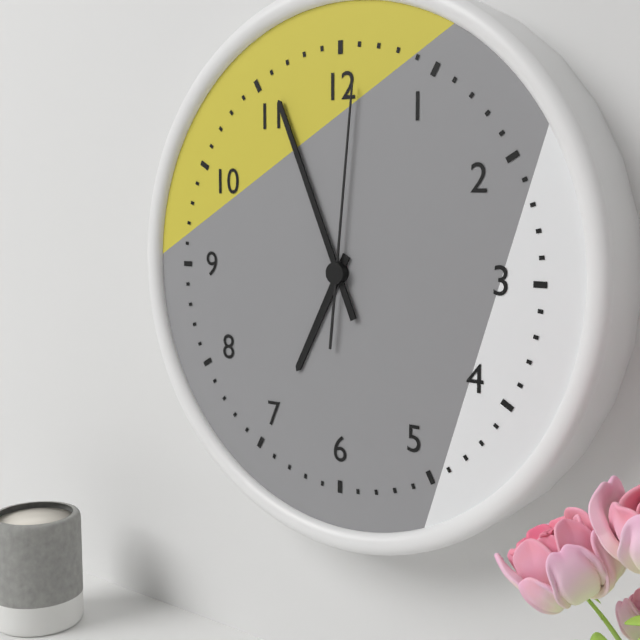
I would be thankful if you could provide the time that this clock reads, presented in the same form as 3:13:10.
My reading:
6:56:01
